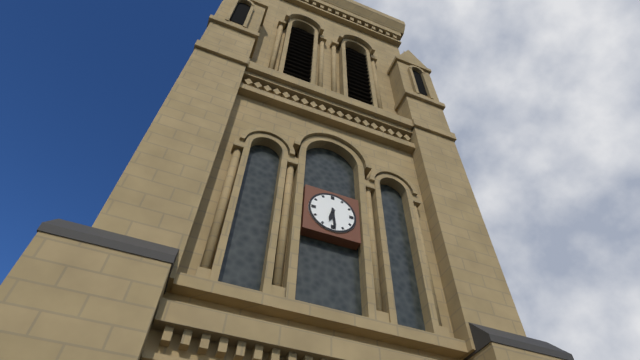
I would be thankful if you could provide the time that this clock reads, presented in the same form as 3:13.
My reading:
6:29
